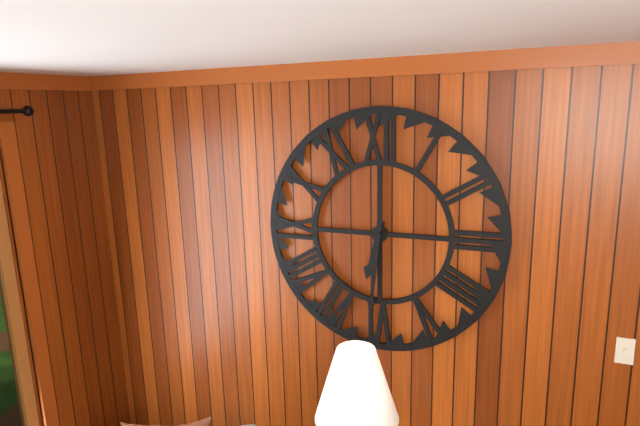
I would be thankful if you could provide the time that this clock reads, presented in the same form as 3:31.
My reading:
6:31
